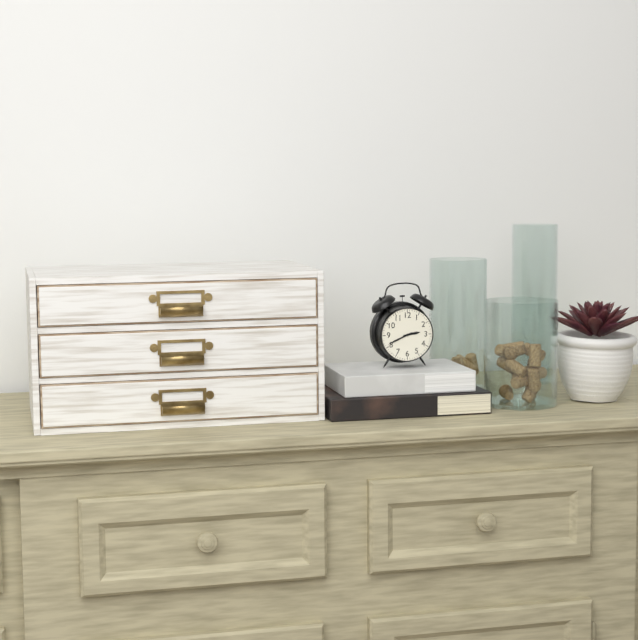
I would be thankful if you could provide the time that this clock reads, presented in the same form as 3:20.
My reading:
2:41
